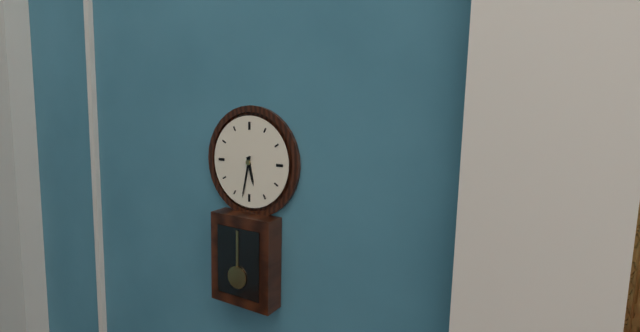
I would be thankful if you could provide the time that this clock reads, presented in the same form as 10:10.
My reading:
5:32
